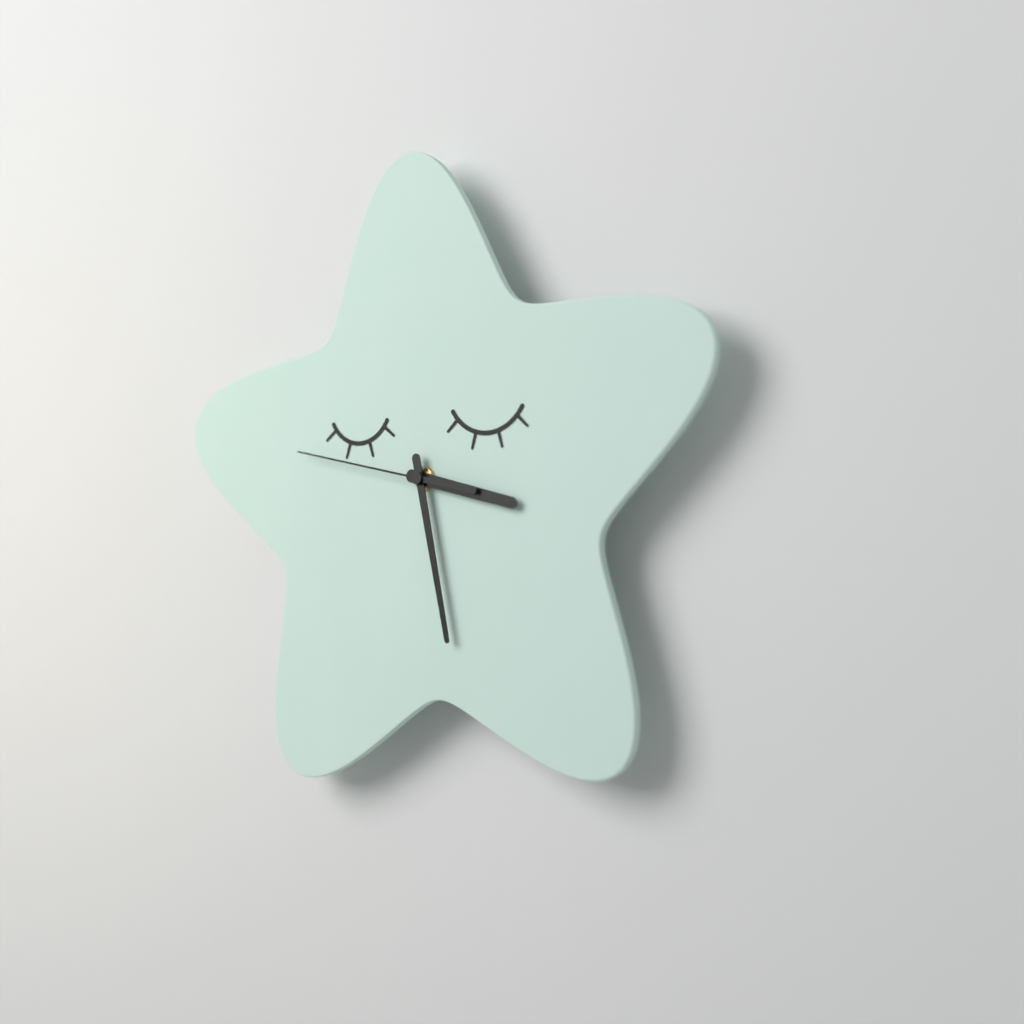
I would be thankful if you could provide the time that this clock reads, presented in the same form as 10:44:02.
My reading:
3:28:47
